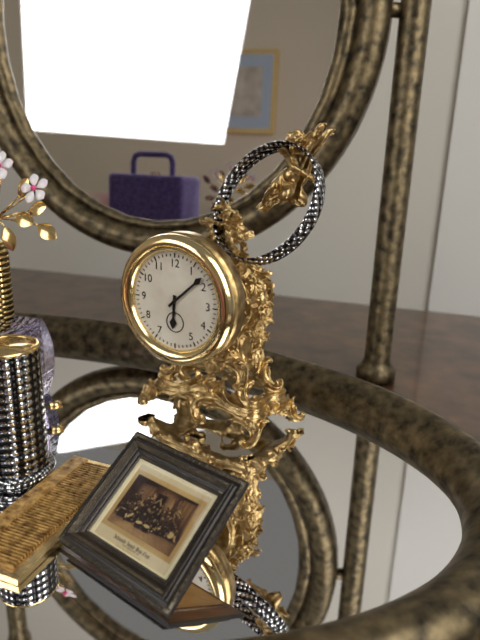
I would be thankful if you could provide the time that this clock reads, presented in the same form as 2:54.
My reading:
6:08
